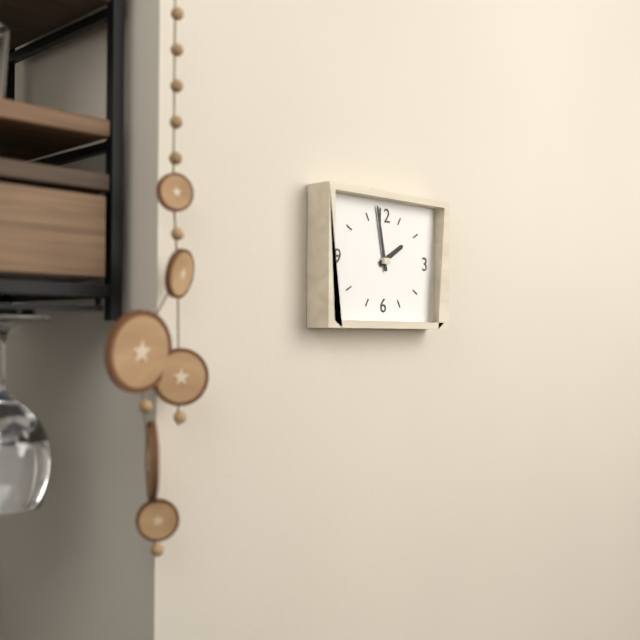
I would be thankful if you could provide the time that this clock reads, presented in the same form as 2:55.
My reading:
1:58
